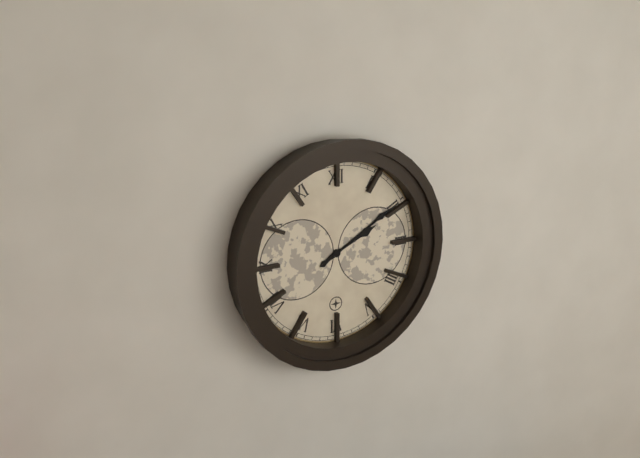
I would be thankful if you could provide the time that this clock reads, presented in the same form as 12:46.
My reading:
2:10
